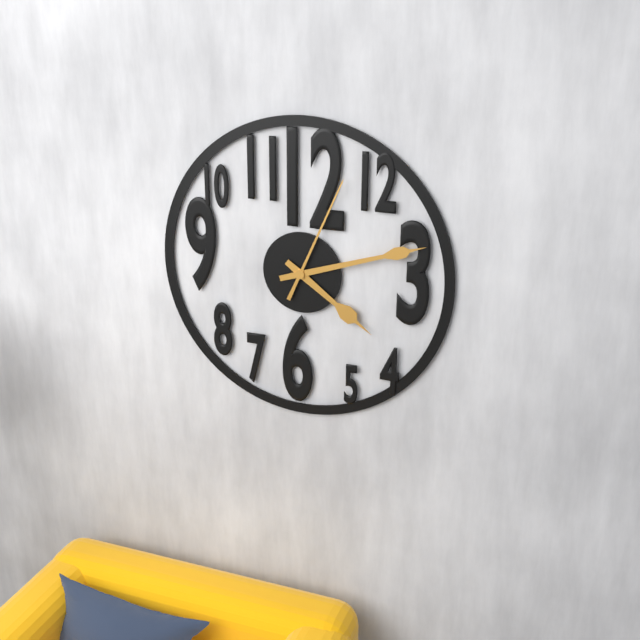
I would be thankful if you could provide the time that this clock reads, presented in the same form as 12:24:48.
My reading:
4:12:04
